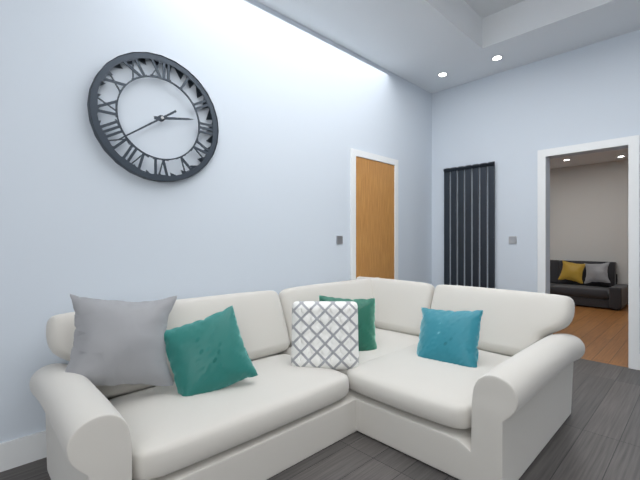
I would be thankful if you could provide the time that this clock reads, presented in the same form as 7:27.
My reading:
2:39
